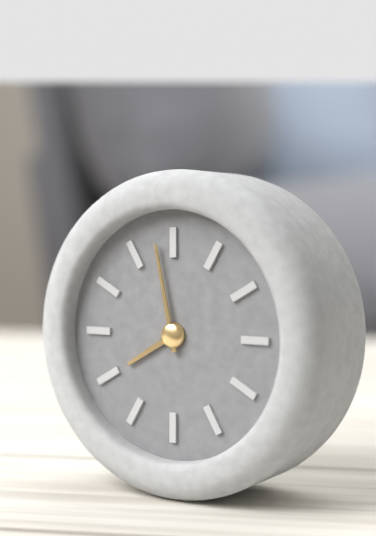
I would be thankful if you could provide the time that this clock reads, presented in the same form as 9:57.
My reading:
7:58
